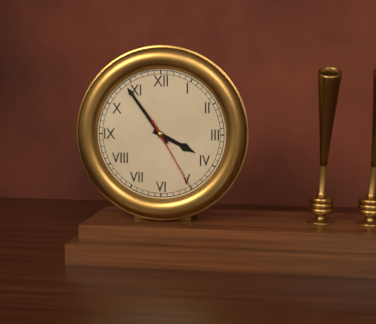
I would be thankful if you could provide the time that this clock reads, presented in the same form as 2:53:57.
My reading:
3:54:25
